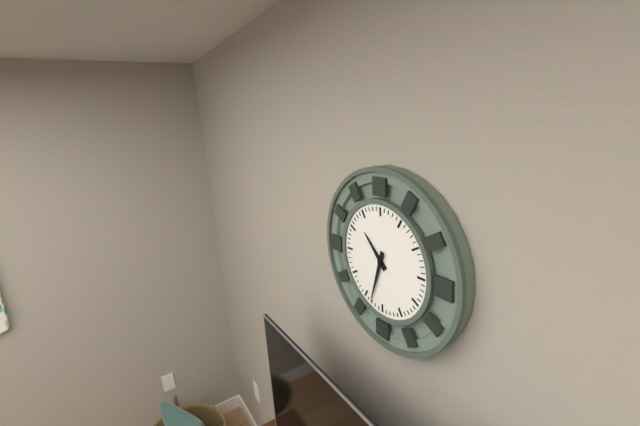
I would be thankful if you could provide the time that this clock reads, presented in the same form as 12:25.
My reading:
10:33
